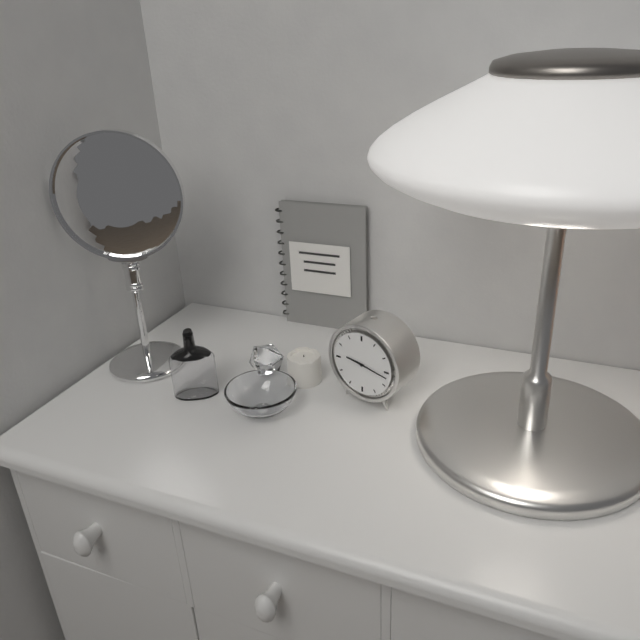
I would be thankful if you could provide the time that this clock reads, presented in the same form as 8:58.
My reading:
9:17
